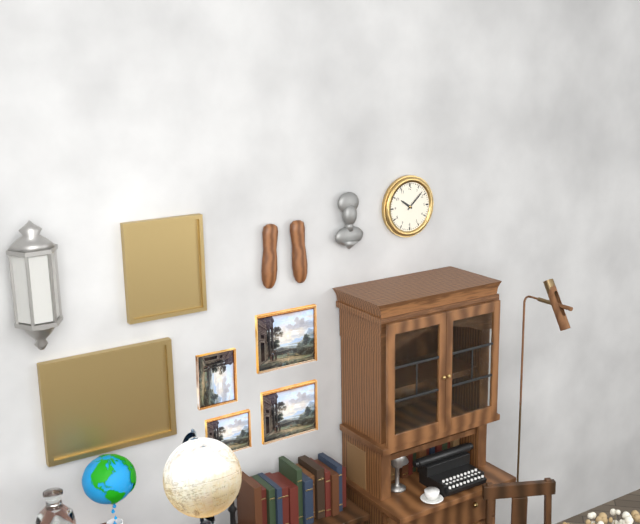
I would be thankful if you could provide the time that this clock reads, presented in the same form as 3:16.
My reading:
10:08
